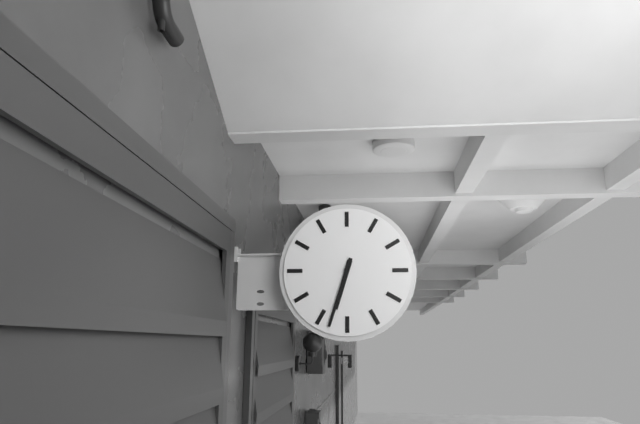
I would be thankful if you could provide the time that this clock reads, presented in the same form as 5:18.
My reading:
6:33
